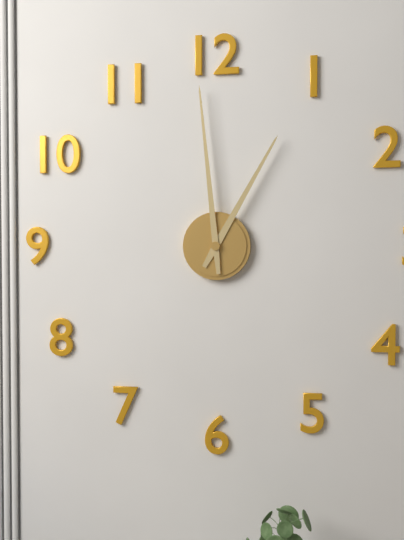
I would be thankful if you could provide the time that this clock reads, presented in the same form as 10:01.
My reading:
12:59
